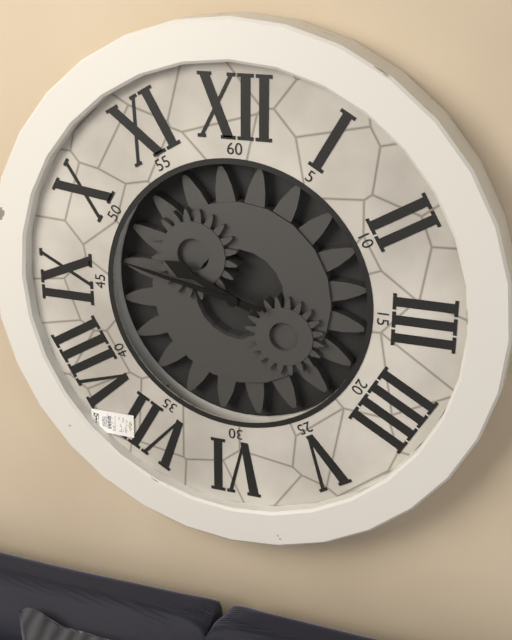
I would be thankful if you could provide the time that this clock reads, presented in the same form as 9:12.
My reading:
9:47
